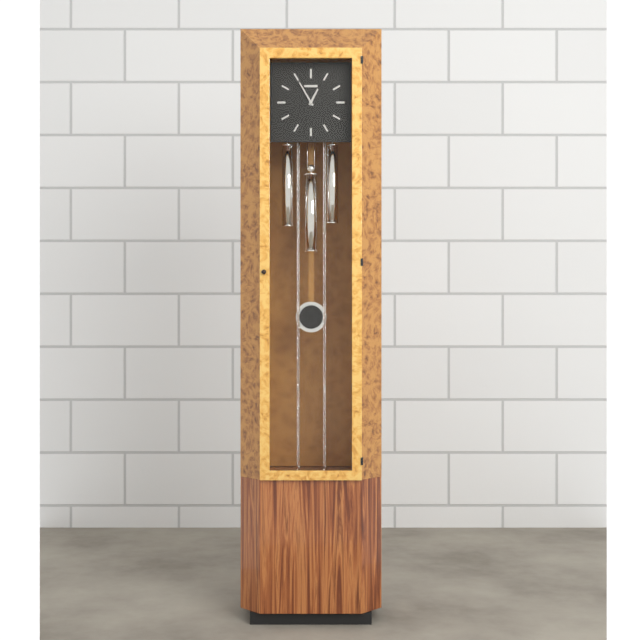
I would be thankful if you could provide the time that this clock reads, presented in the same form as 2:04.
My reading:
12:55
